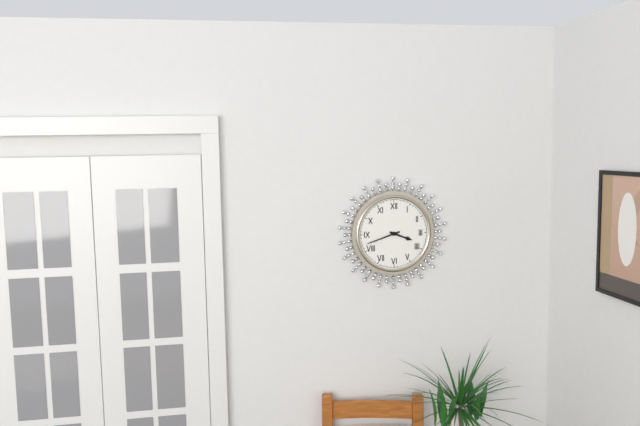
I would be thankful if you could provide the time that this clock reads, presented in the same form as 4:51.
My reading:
3:42
